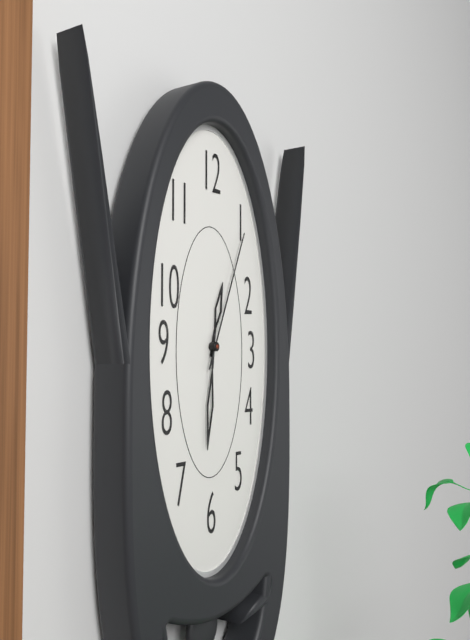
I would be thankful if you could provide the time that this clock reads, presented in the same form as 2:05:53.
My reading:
12:31:04
